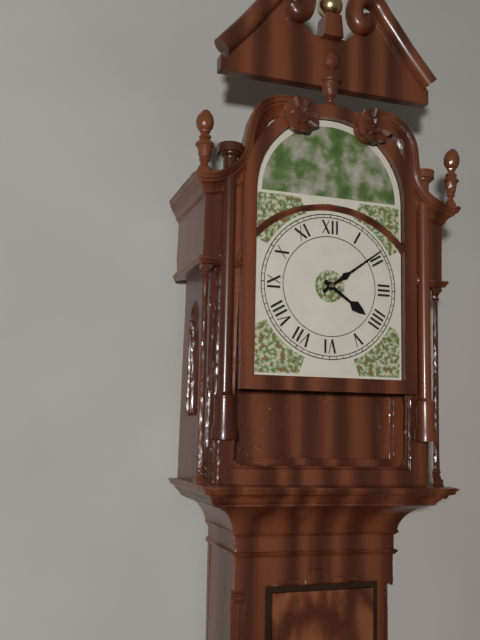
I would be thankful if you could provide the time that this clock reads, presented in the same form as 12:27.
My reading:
4:09
